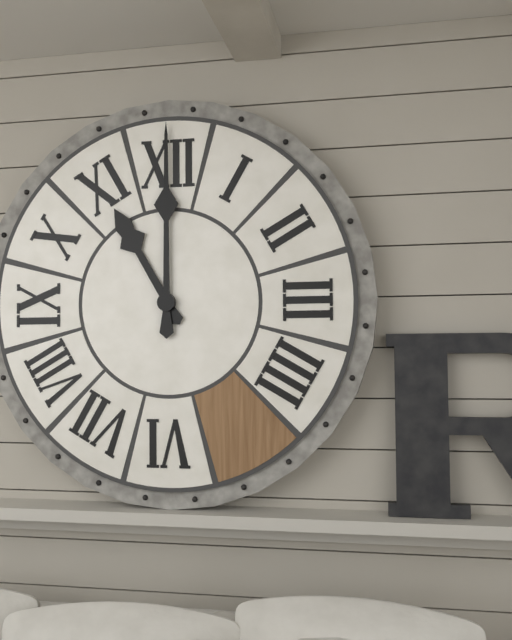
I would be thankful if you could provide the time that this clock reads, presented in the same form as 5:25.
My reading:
11:00
